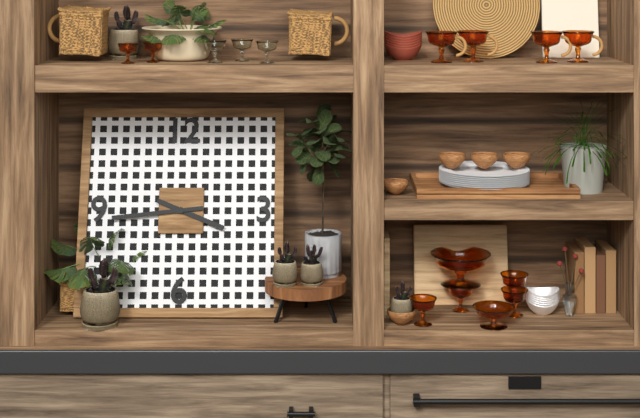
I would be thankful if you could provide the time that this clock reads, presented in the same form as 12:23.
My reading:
3:44
